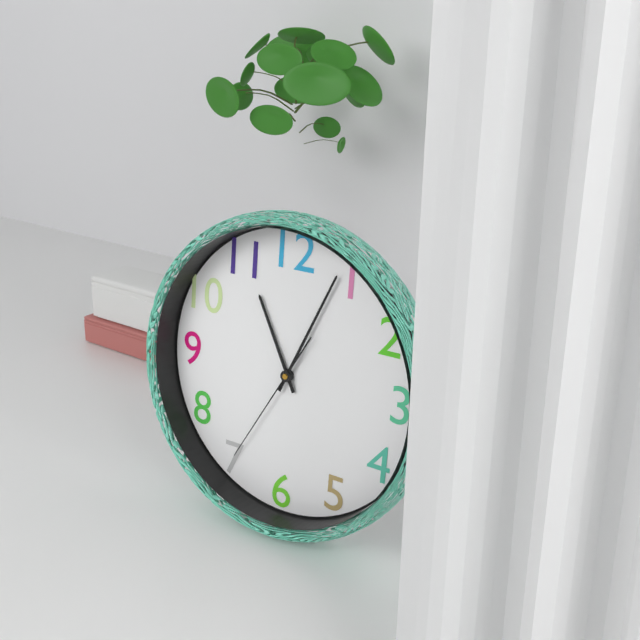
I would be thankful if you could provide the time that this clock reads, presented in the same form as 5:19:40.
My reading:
11:04:35
